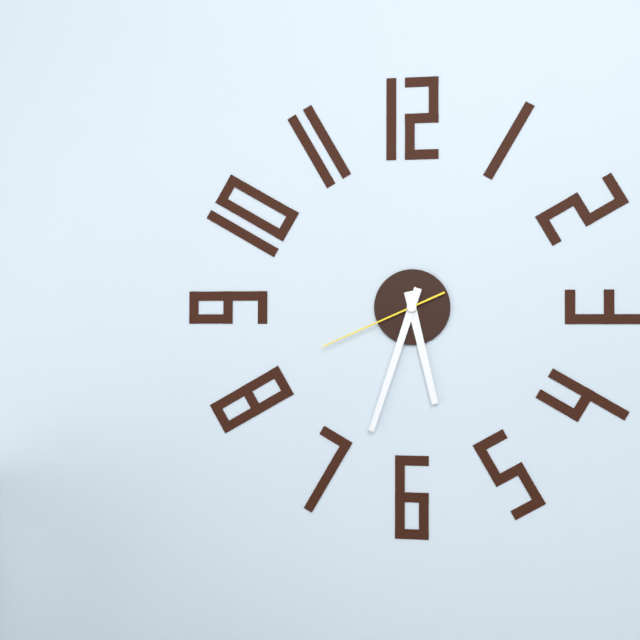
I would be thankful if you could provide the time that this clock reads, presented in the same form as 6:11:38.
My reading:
5:33:41
